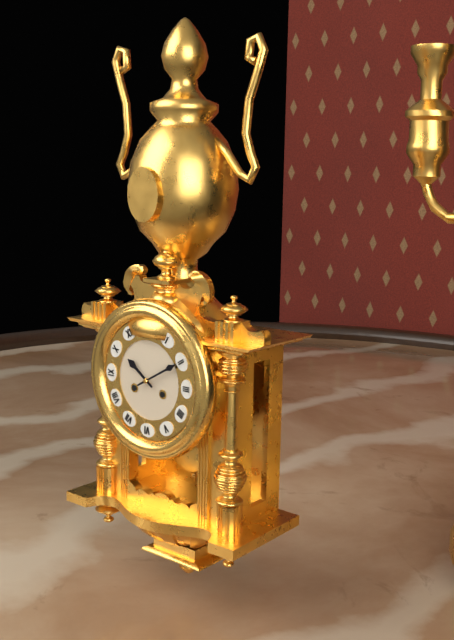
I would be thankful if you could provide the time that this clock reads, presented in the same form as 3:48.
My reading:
10:10
